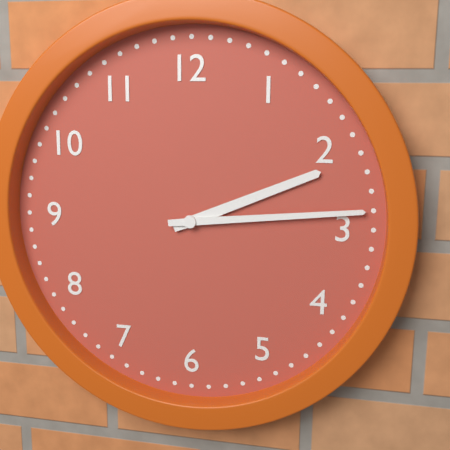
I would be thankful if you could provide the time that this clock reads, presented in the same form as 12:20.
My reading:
2:14
